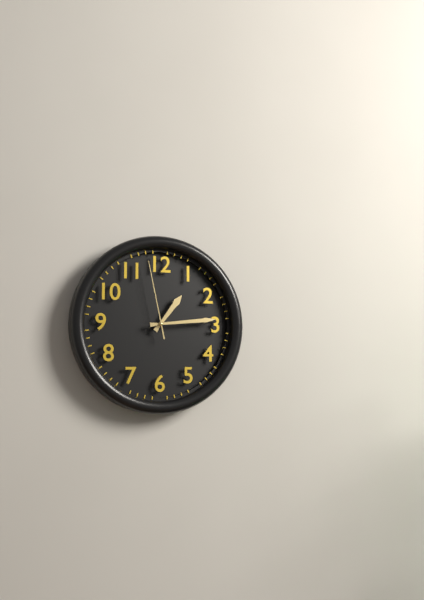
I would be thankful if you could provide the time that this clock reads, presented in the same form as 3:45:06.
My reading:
1:14:58
